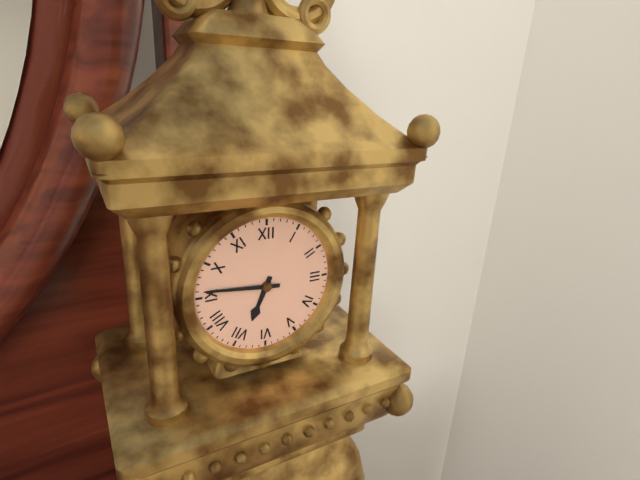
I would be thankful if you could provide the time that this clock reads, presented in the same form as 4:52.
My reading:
6:46
